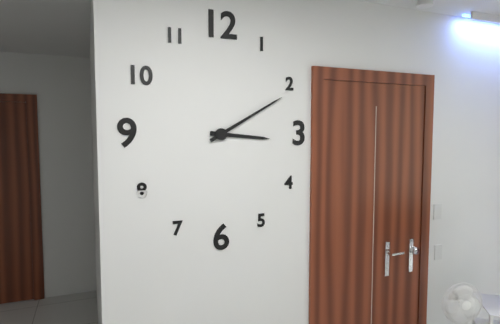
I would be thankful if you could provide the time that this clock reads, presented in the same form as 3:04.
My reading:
3:10
